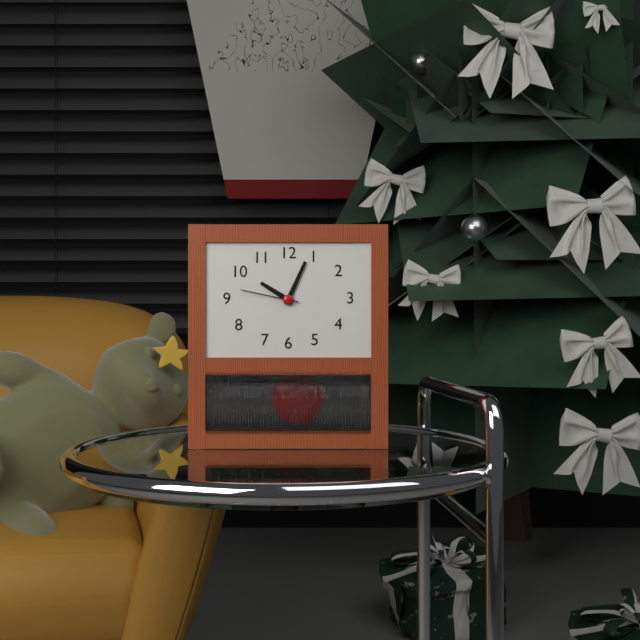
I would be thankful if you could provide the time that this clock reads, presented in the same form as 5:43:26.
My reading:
10:04:47
